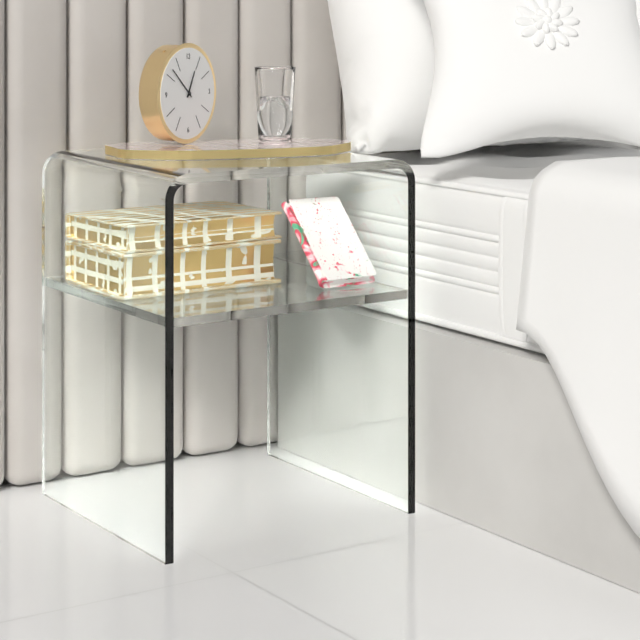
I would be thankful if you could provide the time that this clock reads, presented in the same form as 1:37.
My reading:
12:52
